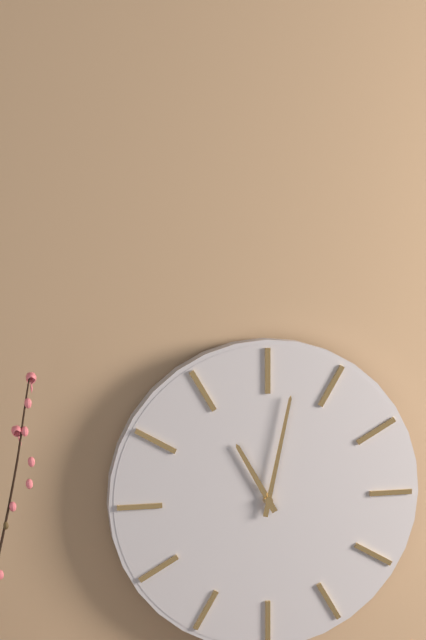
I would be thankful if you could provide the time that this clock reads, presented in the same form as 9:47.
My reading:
11:02
